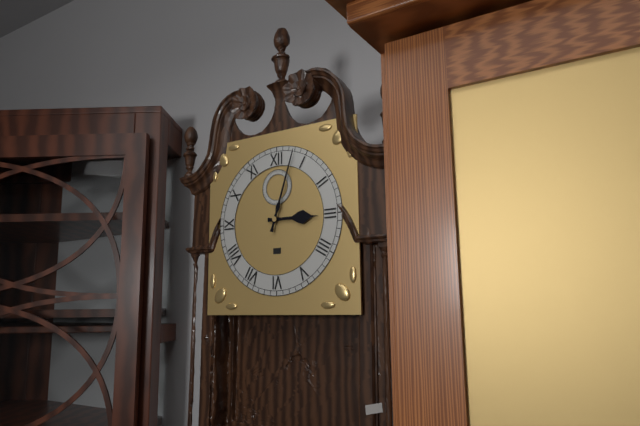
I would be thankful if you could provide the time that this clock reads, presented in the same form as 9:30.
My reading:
3:03
